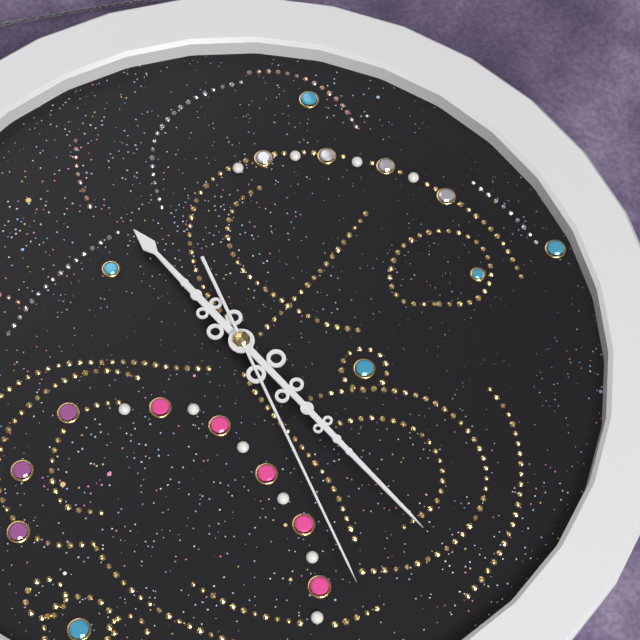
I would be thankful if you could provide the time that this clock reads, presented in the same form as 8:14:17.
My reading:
3:49:52
